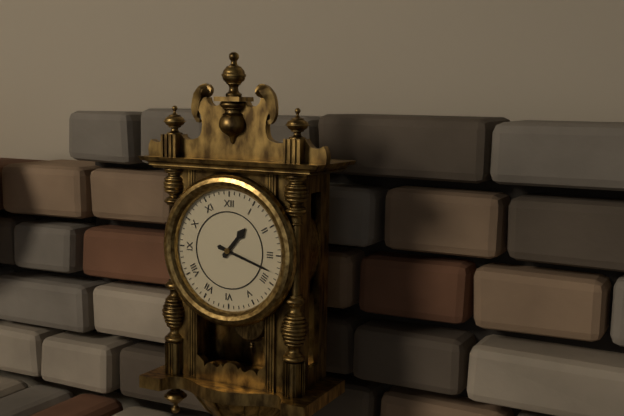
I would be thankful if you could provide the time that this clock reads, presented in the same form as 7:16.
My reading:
1:18
